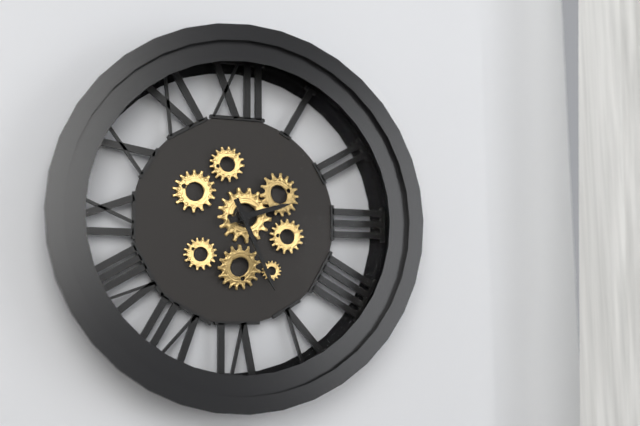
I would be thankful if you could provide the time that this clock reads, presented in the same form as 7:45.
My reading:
2:26
